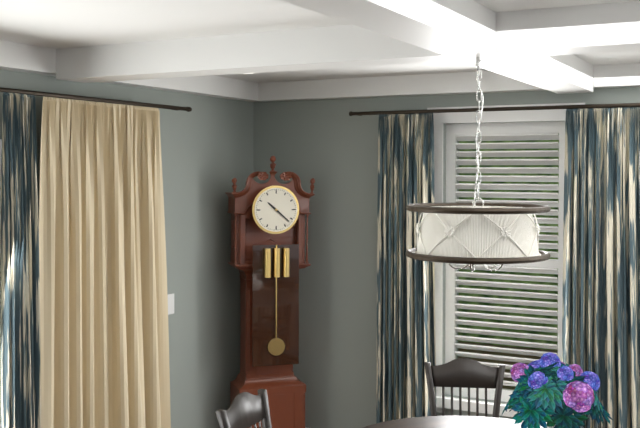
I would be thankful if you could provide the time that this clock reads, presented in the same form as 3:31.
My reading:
10:22
